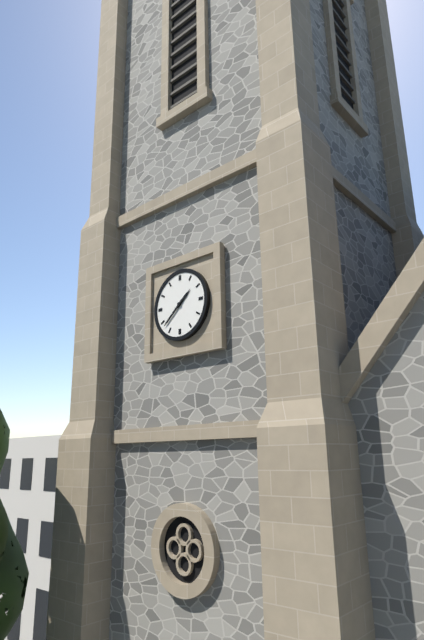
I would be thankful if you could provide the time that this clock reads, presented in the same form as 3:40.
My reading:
1:38
